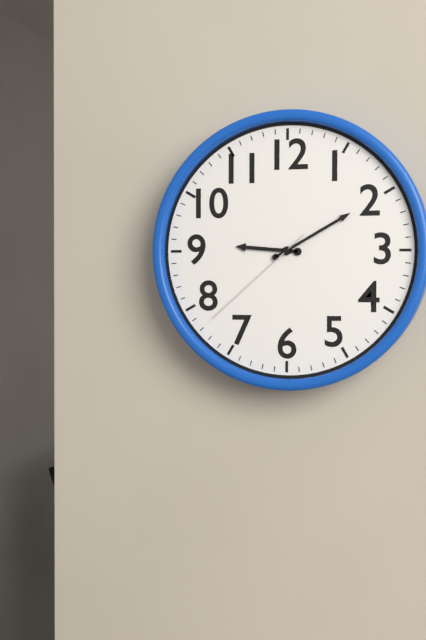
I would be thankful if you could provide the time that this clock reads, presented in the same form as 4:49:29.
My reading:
9:10:38
